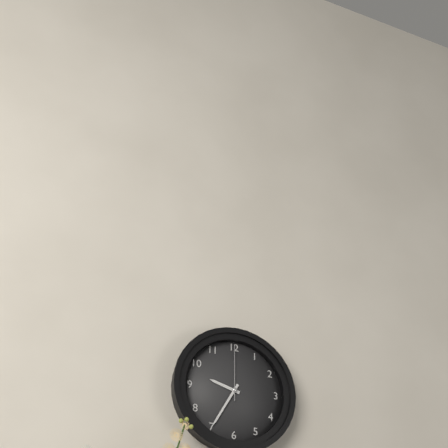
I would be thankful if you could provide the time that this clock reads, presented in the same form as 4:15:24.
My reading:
9:35:00
